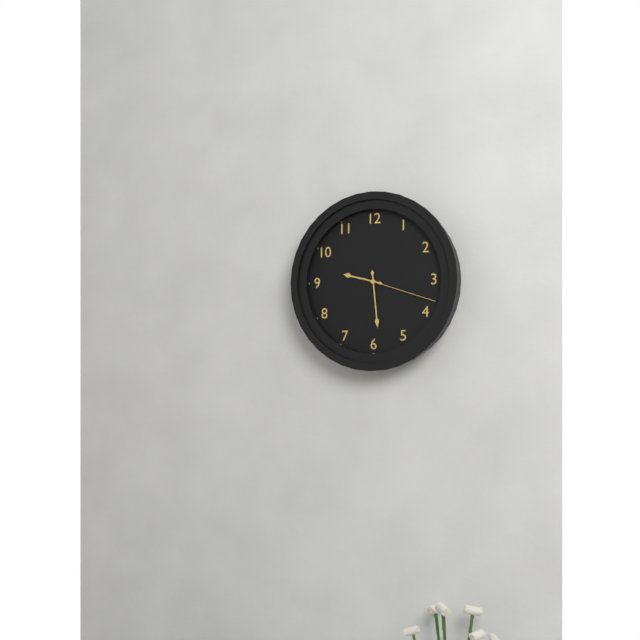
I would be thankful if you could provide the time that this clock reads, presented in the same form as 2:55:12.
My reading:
9:29:18
